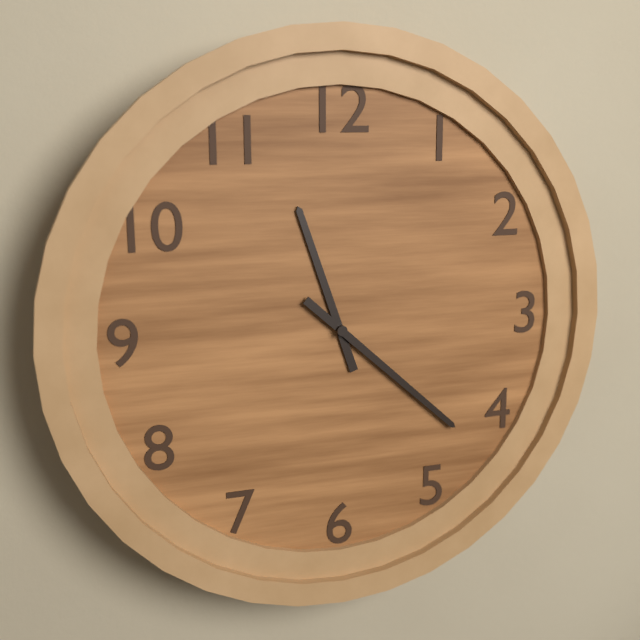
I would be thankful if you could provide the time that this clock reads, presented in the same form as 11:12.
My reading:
11:22
